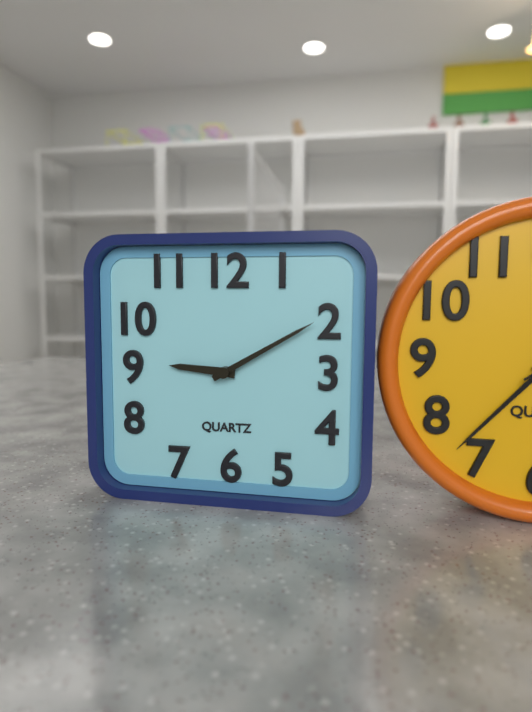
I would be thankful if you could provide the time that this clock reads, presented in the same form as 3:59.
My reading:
9:10
